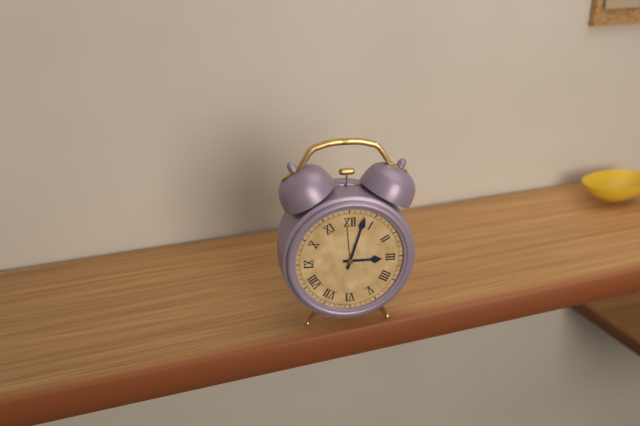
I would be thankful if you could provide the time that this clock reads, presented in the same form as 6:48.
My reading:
3:03
